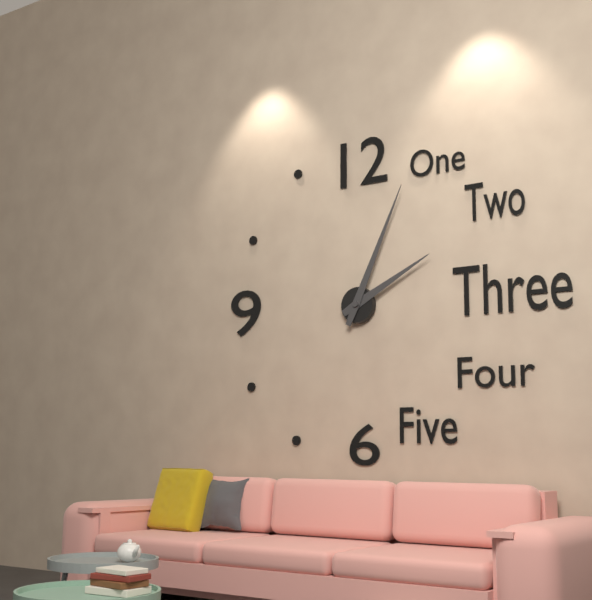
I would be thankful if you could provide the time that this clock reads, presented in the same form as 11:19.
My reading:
2:04
